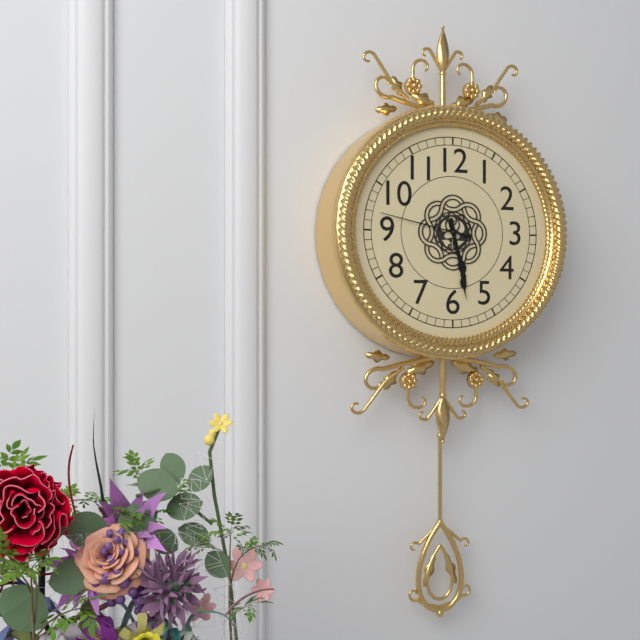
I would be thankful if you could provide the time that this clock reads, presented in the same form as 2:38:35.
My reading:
5:28:47
